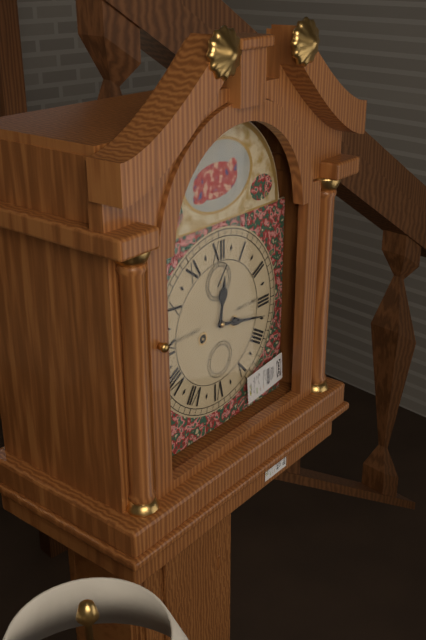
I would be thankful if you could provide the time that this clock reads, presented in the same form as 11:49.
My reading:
12:17
